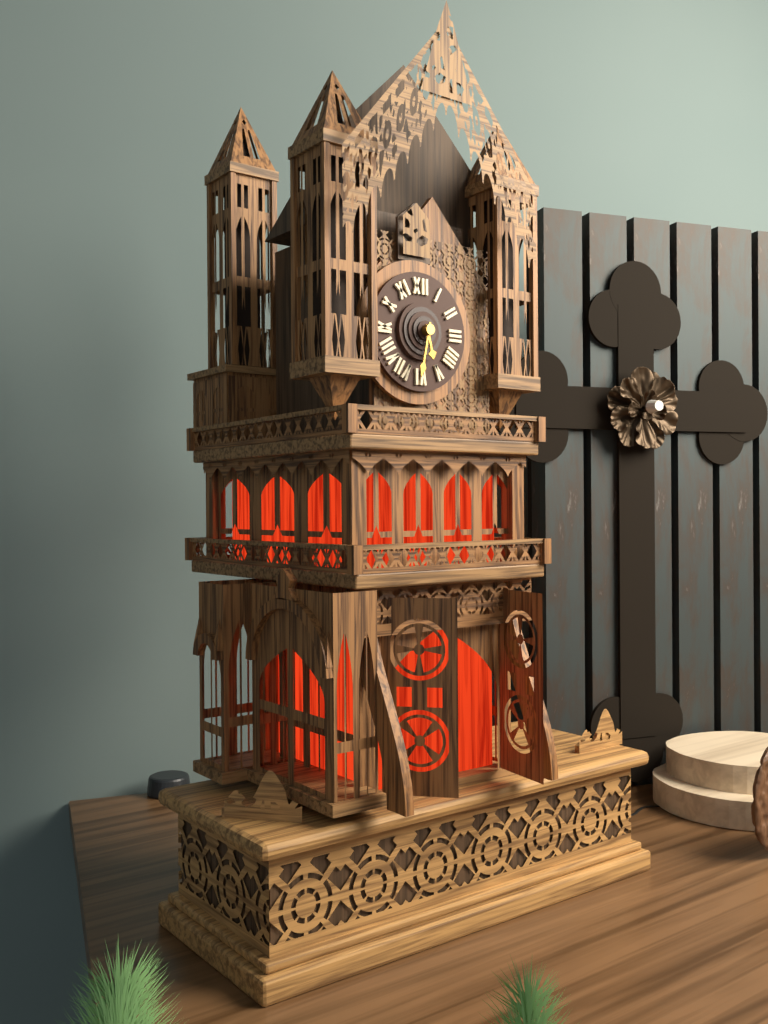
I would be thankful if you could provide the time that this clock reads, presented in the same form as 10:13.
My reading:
5:32
